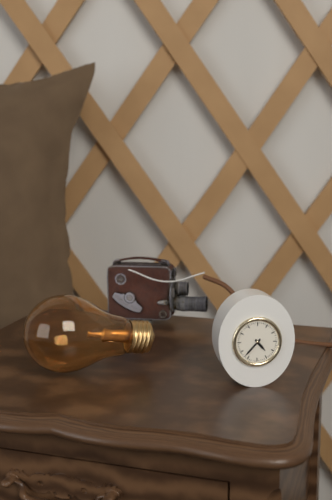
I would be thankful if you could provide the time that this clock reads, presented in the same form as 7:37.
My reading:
4:37
